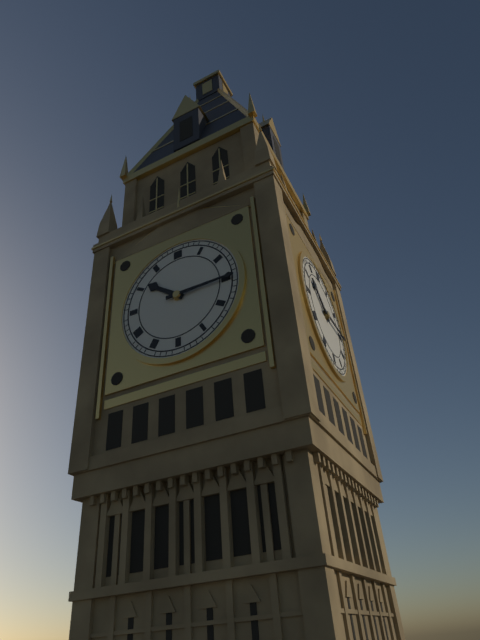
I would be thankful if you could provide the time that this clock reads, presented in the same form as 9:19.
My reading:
10:15
